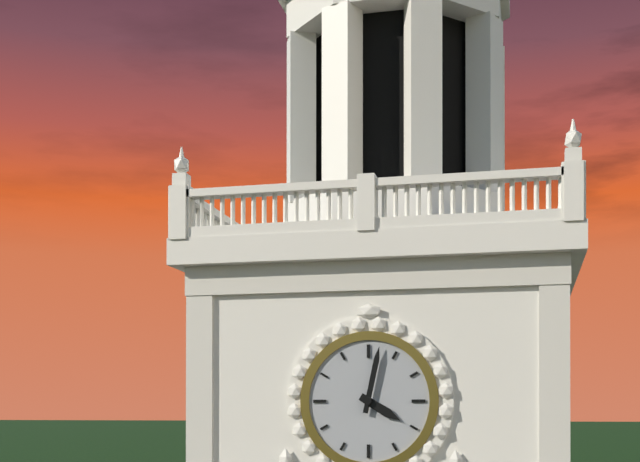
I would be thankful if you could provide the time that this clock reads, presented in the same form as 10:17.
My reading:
4:02
